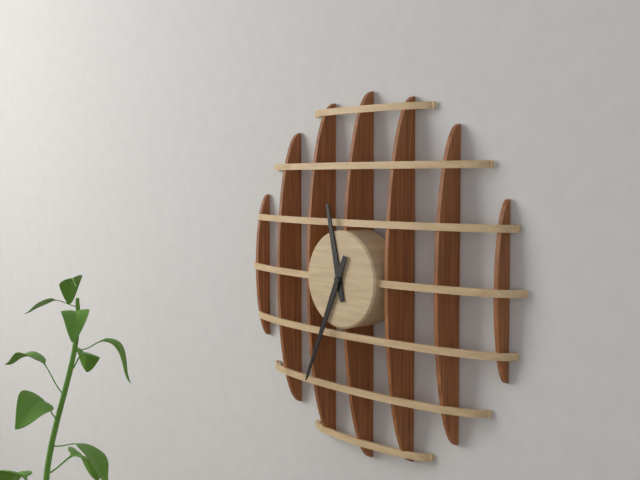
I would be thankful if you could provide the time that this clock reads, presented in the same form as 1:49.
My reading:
11:34
